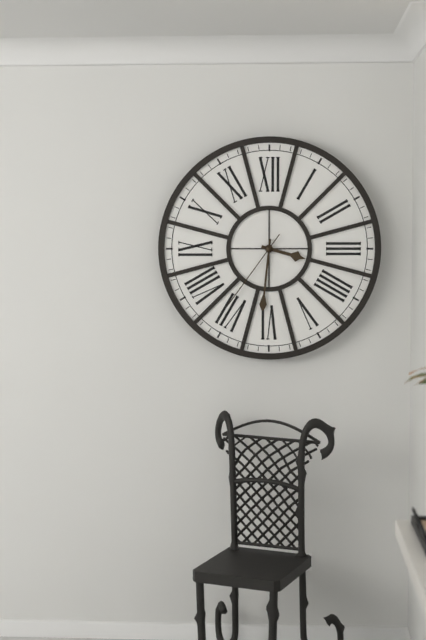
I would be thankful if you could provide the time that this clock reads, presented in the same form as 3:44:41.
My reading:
3:31:36
